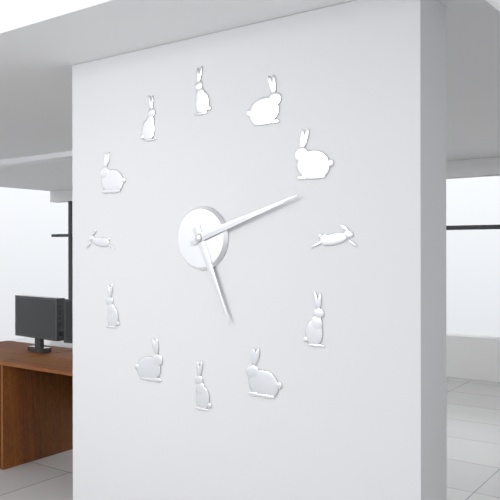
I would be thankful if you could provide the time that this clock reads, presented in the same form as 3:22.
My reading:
5:12
